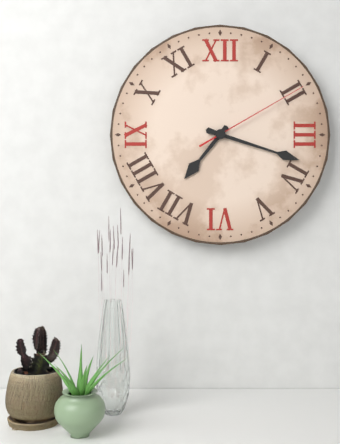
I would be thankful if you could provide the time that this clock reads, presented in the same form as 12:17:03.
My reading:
7:18:10
